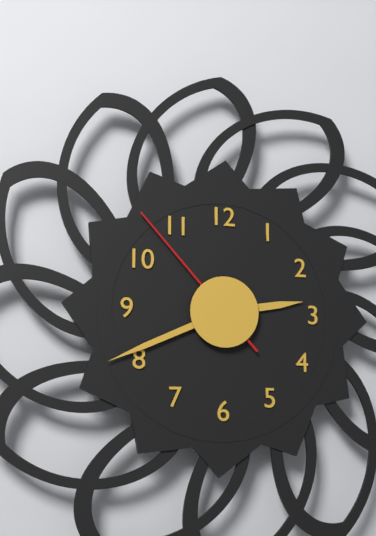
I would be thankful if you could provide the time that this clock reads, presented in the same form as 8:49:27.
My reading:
2:41:53
